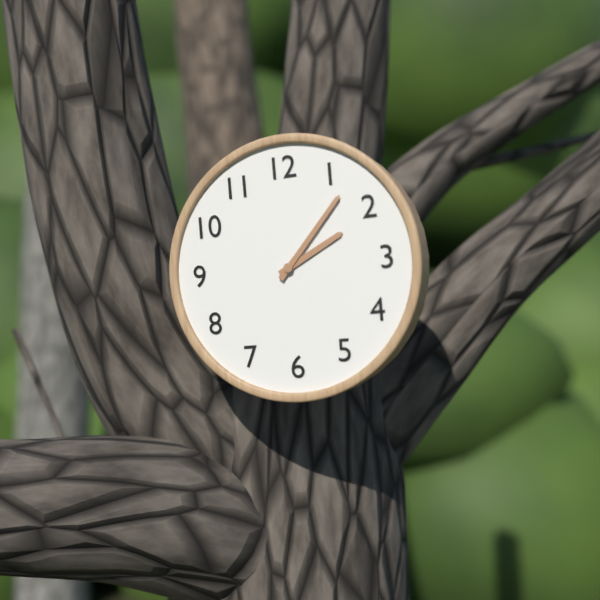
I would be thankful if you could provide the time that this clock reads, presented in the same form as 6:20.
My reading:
2:07
